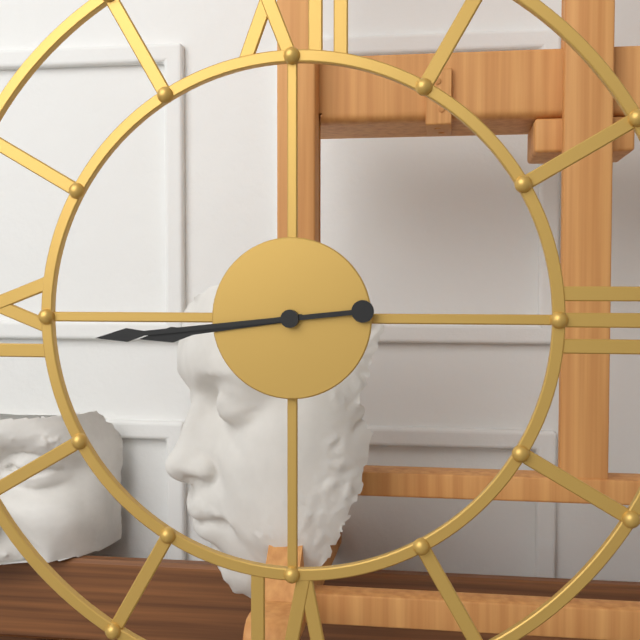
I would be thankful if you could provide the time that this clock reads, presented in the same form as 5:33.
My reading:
8:44
